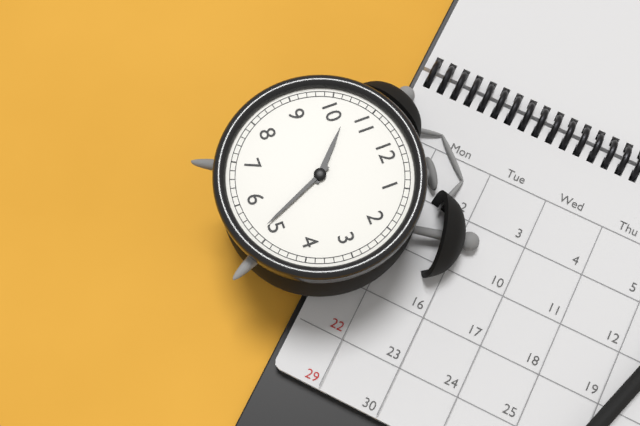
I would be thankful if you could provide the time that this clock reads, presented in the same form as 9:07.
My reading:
10:26
